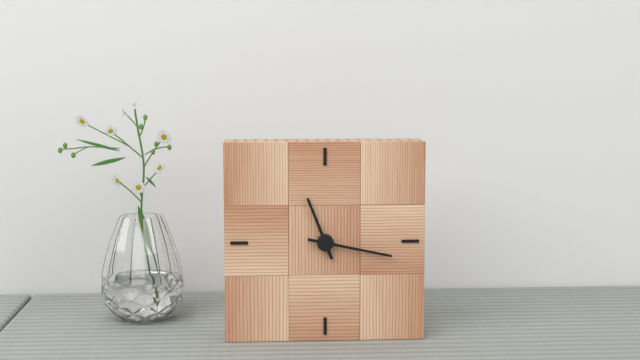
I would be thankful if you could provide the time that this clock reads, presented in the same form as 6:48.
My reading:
11:17
